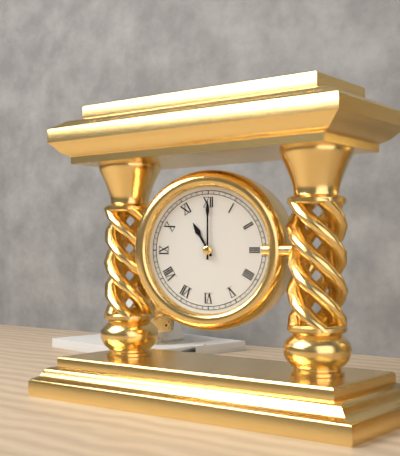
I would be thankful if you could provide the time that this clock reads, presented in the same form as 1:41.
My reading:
11:00
